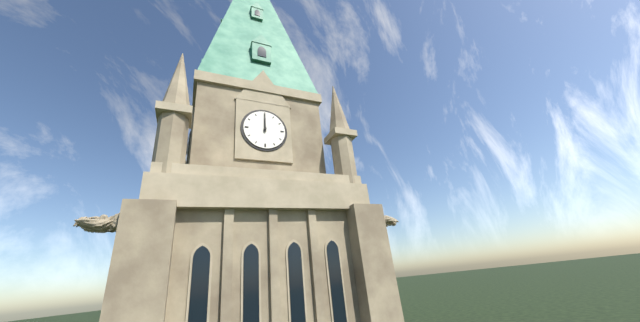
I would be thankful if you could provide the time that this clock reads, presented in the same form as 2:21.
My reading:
12:00
